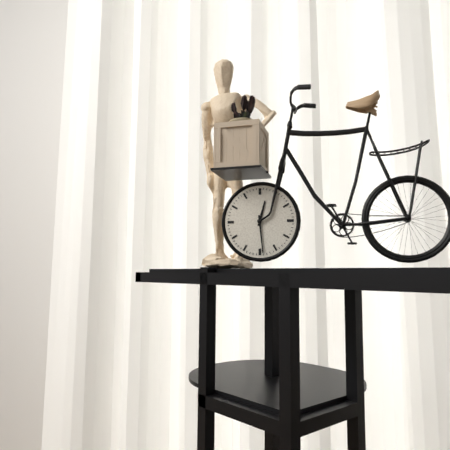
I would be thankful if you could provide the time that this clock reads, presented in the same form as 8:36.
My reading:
12:29
